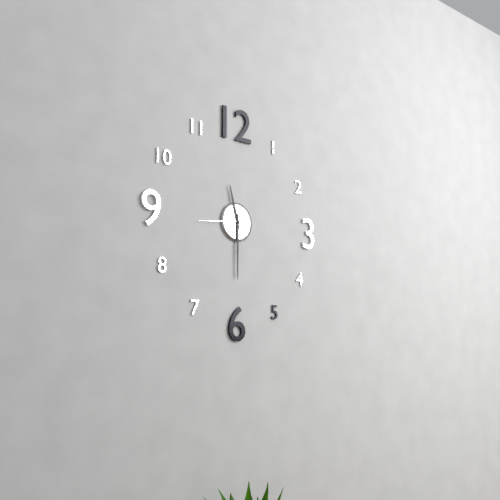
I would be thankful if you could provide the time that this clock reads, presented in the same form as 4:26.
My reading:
11:30
